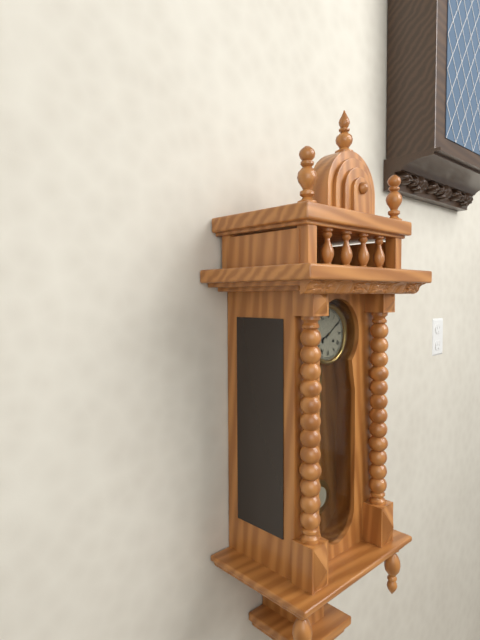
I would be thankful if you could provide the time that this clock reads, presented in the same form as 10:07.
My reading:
8:09
